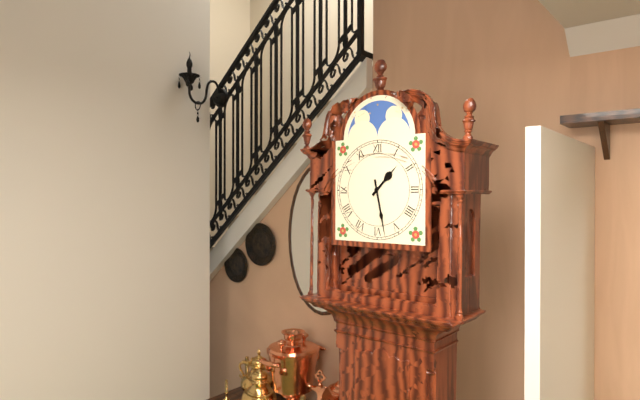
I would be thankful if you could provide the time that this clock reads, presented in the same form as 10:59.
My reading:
1:28
